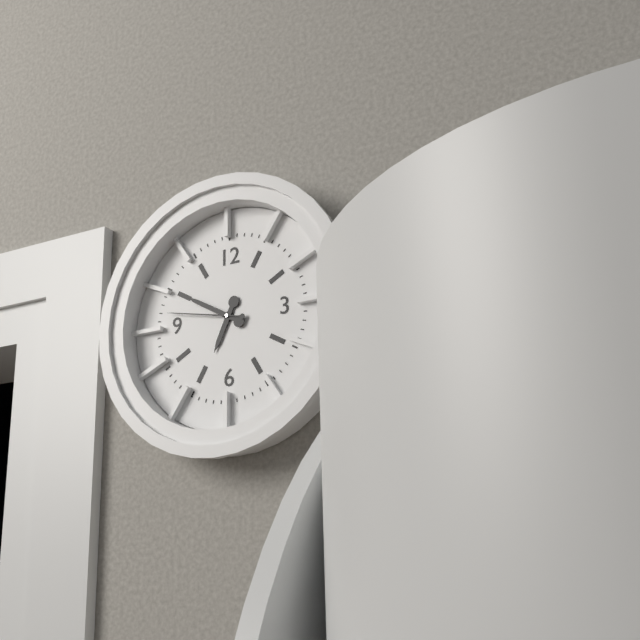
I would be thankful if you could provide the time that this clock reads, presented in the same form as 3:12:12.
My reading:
6:50:47
